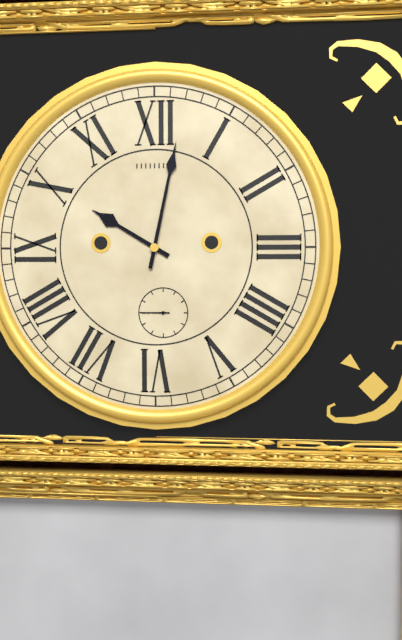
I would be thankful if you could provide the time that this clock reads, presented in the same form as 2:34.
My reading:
10:02
